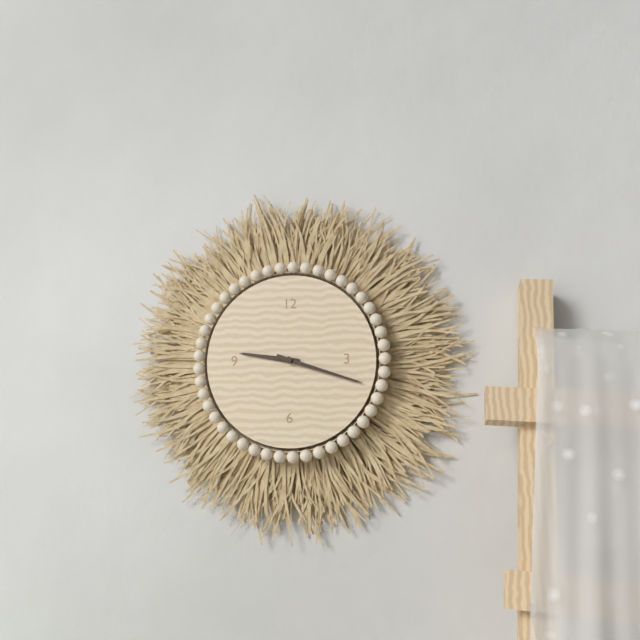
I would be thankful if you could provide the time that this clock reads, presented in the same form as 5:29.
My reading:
9:18
